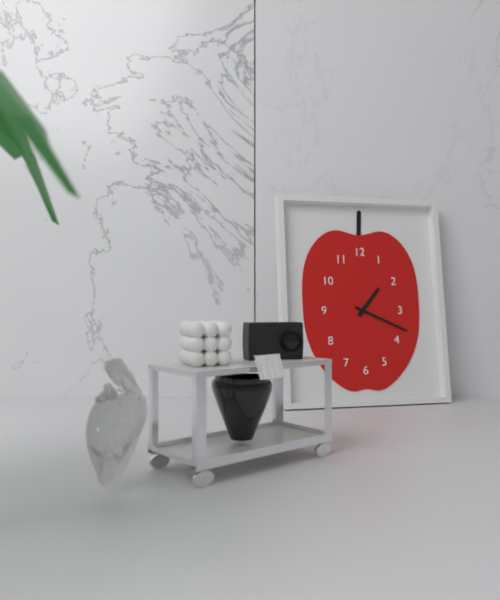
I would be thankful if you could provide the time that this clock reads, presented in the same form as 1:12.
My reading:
1:19
